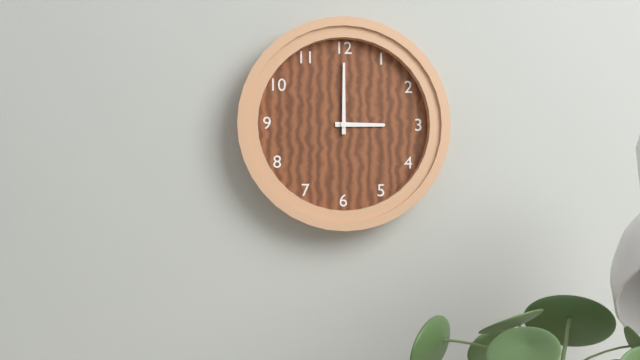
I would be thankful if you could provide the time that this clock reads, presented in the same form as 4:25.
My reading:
3:00
